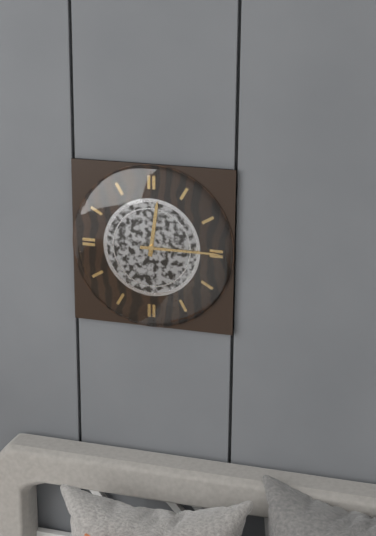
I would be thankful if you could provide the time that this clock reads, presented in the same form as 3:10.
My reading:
12:15
